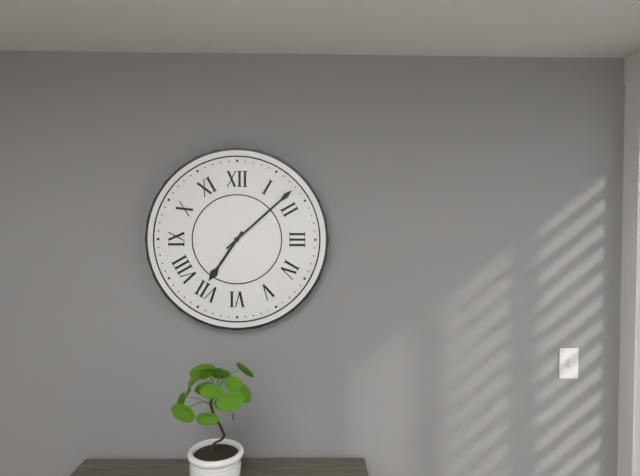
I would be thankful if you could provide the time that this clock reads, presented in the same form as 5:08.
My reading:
7:08
